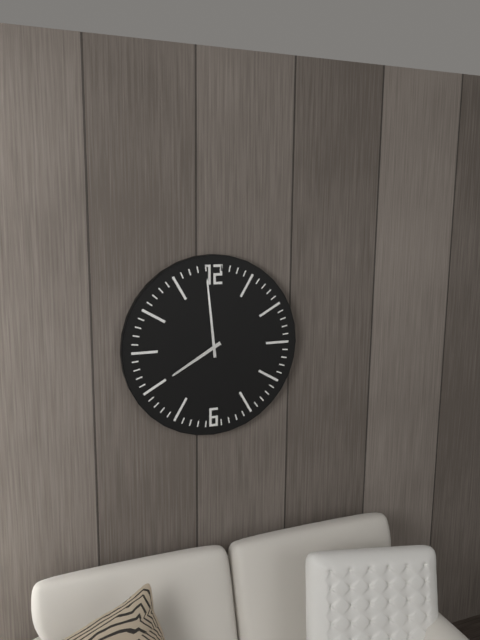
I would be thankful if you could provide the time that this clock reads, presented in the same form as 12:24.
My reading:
7:59
